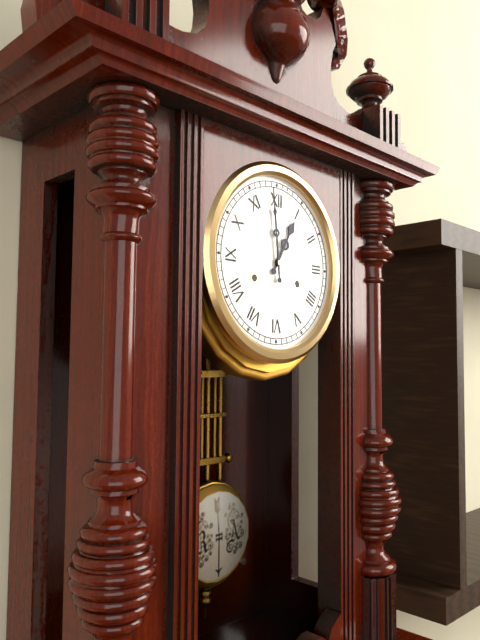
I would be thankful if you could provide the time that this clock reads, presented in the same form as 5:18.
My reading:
12:59
